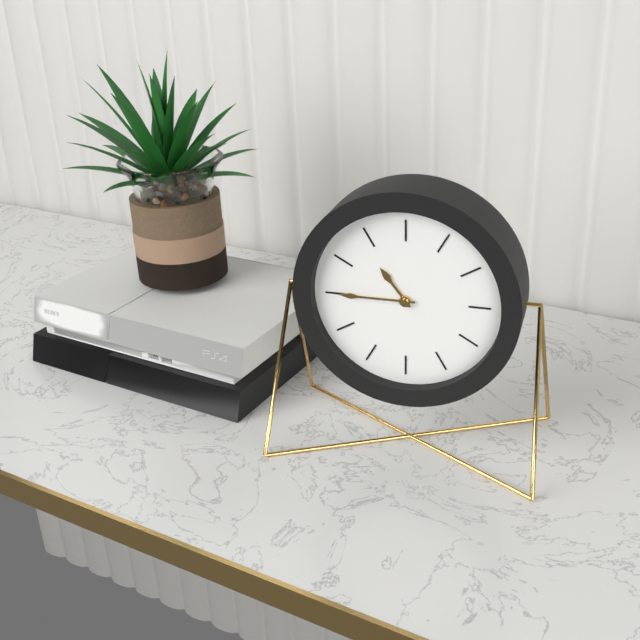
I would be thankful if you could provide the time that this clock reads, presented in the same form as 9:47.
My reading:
10:45
